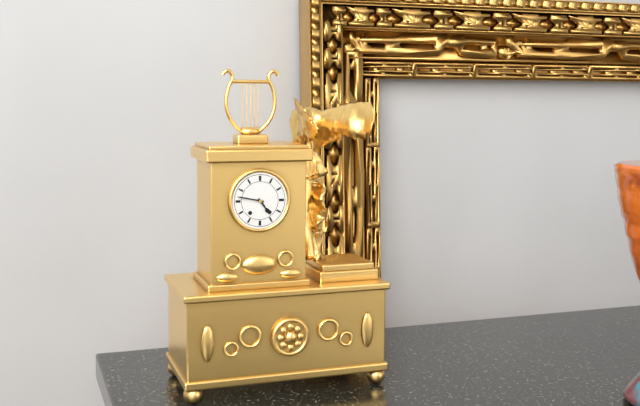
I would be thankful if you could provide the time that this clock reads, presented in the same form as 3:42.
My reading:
4:47
